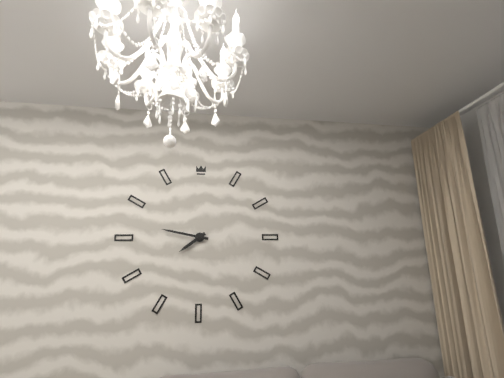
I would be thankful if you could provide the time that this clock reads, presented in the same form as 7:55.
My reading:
7:47
